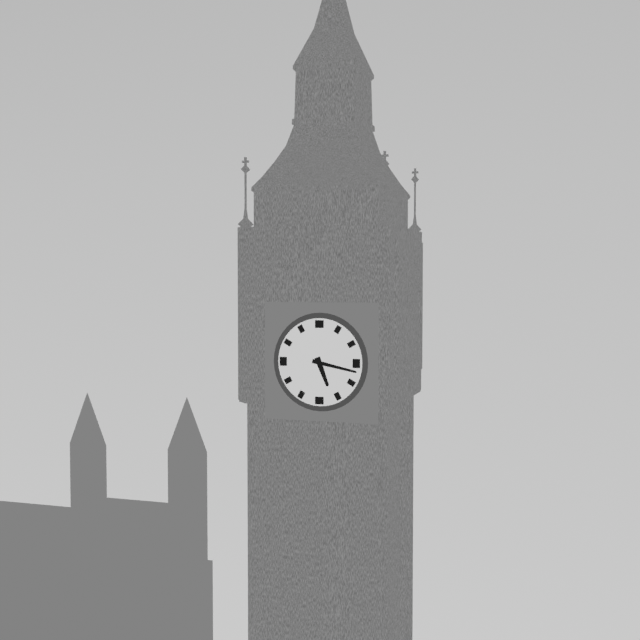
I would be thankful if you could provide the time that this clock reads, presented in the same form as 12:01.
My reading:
5:17
